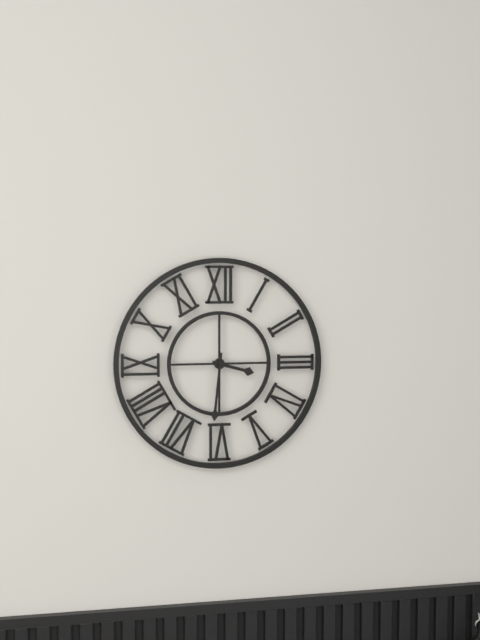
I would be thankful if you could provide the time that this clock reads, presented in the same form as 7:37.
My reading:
3:31
